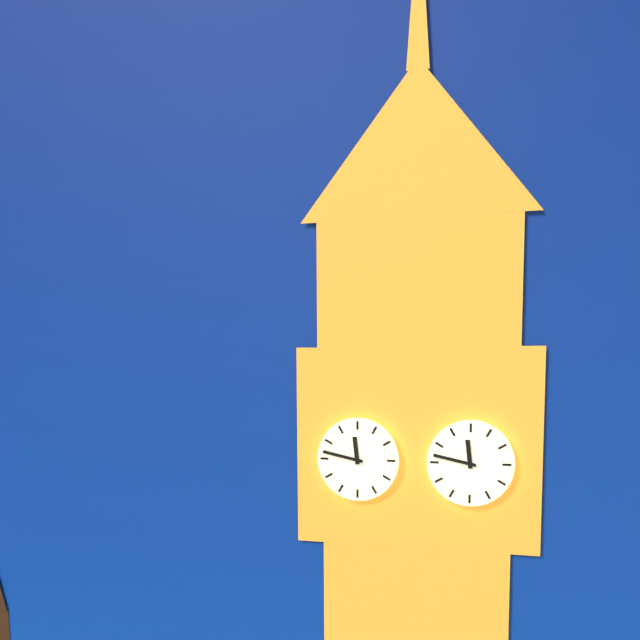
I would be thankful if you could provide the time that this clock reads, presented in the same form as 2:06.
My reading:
11:47
